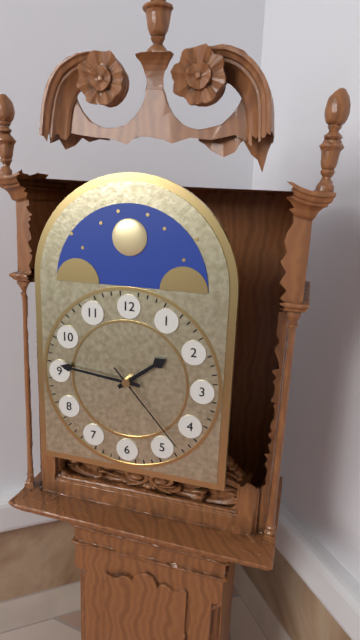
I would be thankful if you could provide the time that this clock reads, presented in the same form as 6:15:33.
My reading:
1:46:23
